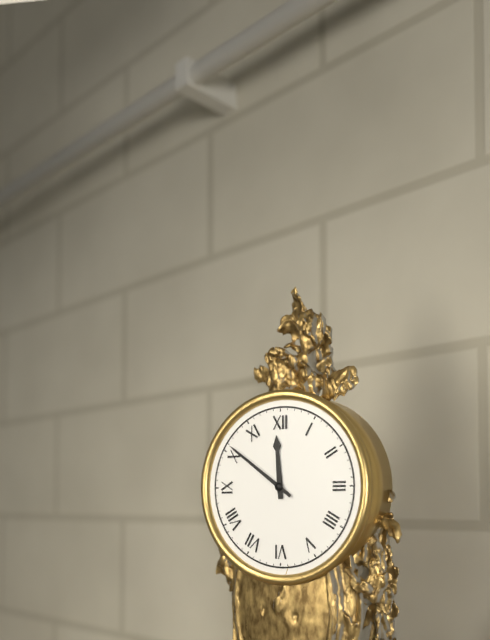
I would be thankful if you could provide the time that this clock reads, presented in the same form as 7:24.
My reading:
11:51
